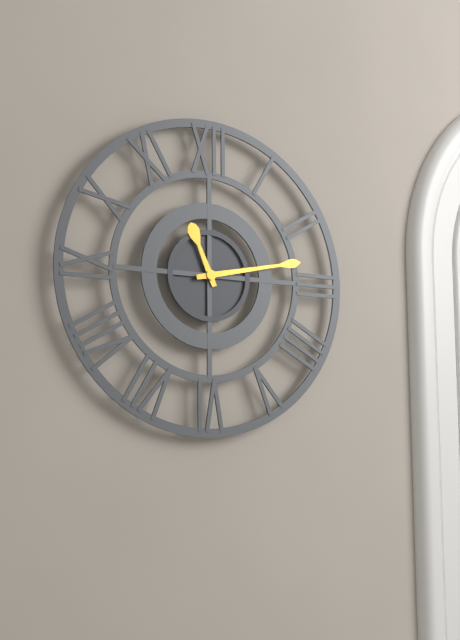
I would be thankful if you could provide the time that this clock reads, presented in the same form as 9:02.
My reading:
11:13
